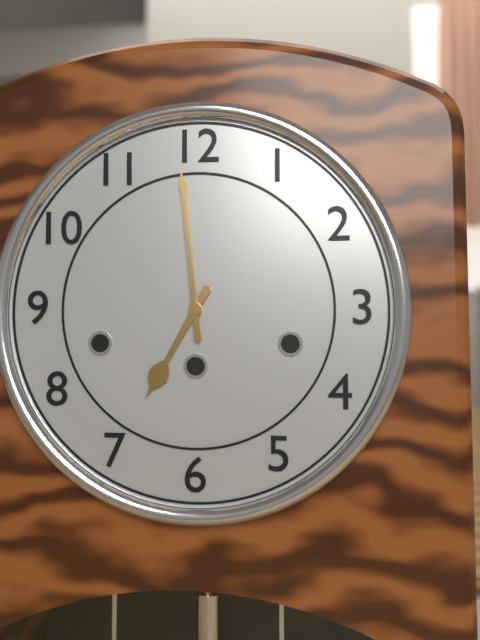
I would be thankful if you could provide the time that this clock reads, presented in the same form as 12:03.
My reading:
6:59
